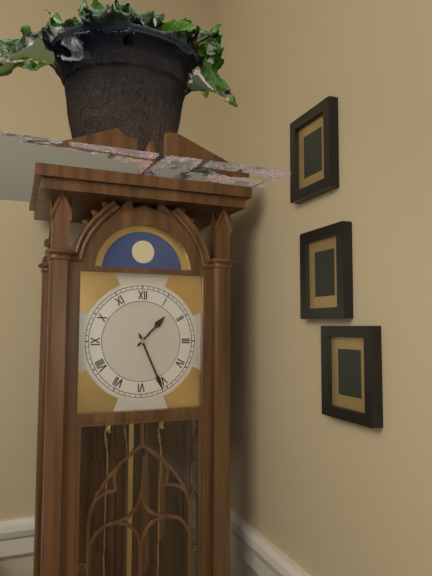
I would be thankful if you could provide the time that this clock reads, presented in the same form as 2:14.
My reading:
1:26
